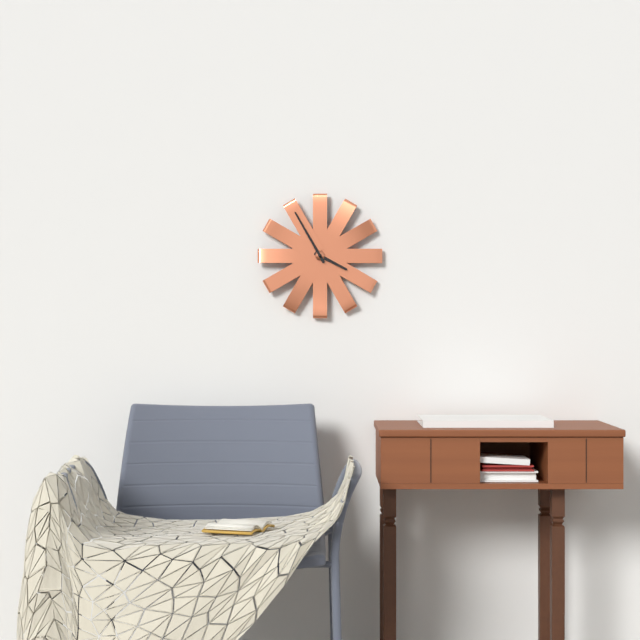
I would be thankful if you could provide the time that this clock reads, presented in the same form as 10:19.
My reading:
3:55
